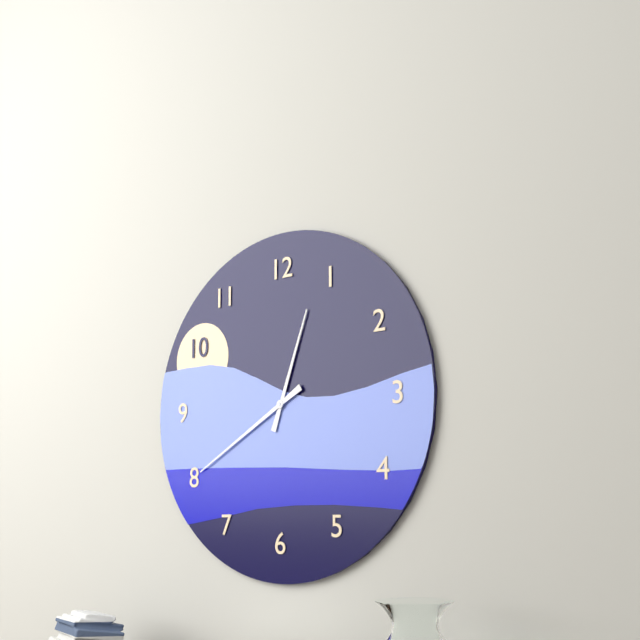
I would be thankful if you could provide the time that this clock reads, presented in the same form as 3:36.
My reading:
12:40
